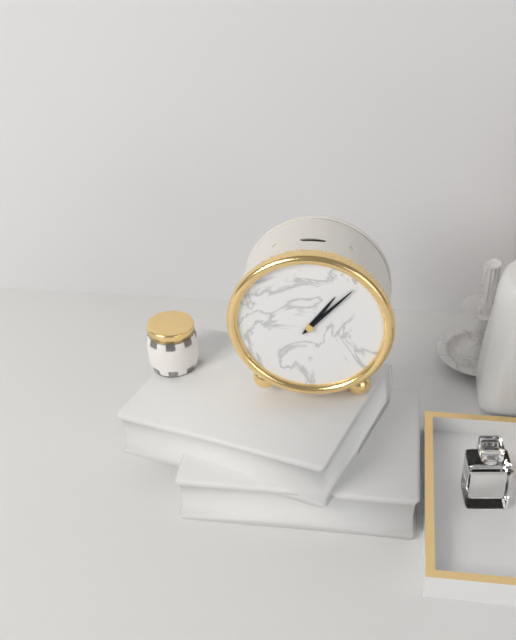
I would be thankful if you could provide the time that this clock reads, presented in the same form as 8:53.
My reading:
1:07
